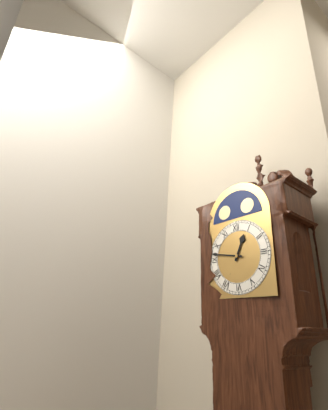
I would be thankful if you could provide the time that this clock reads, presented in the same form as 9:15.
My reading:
12:47
